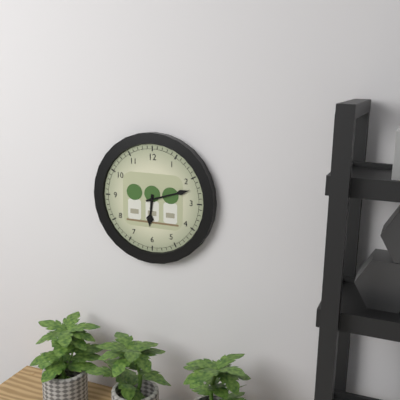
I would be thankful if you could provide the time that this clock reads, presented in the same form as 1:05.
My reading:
6:12
